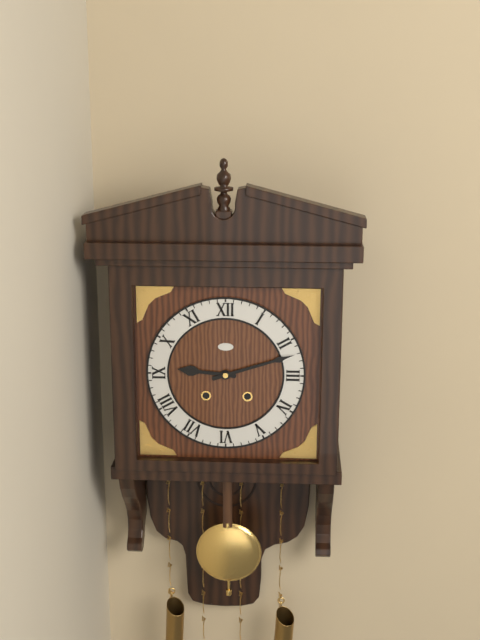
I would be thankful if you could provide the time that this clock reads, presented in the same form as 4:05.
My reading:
9:12
